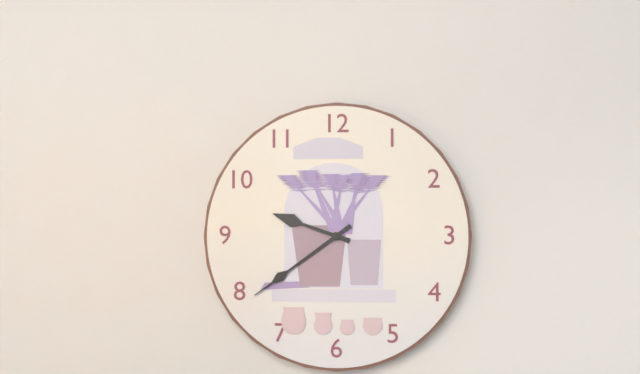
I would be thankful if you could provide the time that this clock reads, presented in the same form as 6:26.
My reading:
9:39
